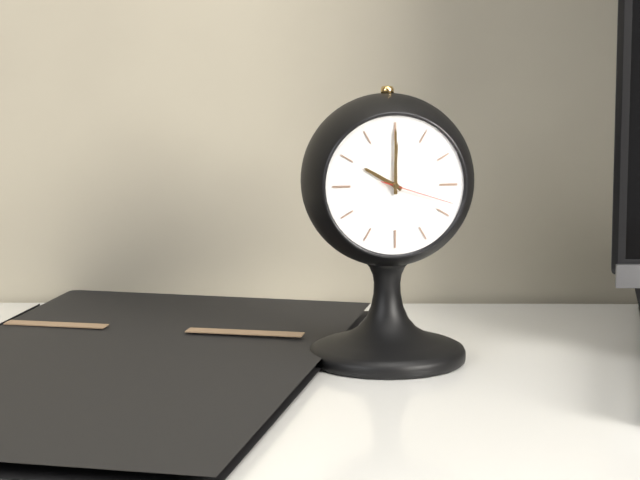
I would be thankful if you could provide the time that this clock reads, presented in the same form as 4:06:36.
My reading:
10:00:18
